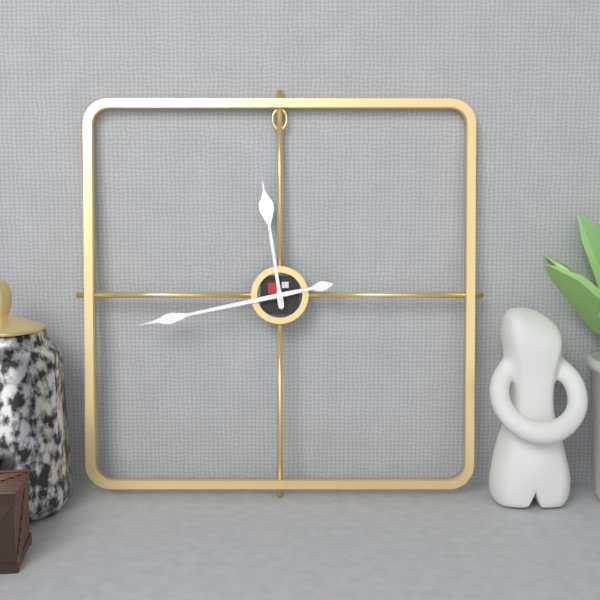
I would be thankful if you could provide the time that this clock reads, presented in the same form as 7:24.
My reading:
11:43
